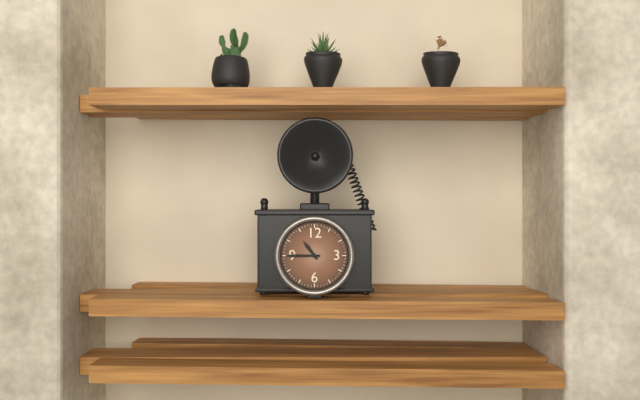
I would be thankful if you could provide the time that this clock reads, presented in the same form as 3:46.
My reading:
10:45
